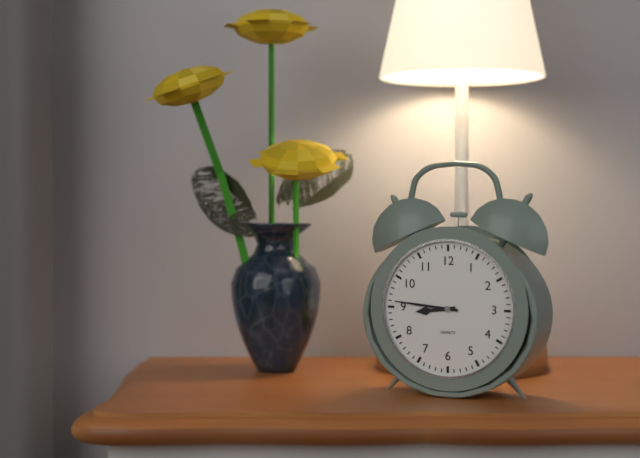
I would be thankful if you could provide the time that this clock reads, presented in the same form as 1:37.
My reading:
8:46
